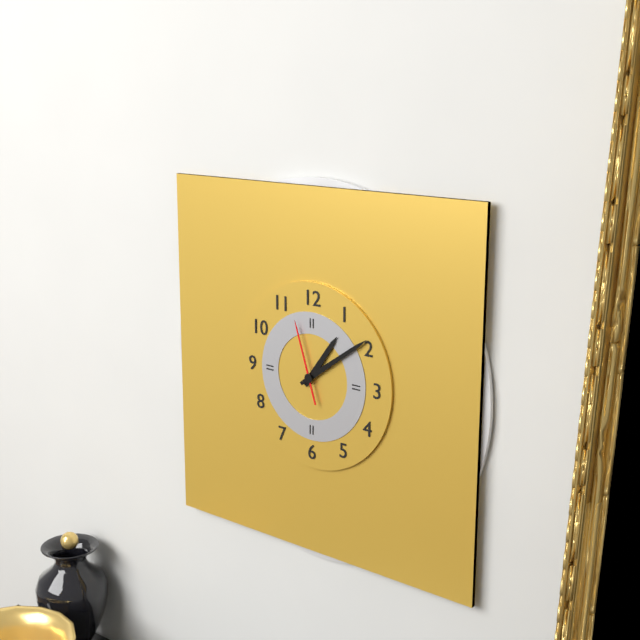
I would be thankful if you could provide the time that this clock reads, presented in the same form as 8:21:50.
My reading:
1:09:57
